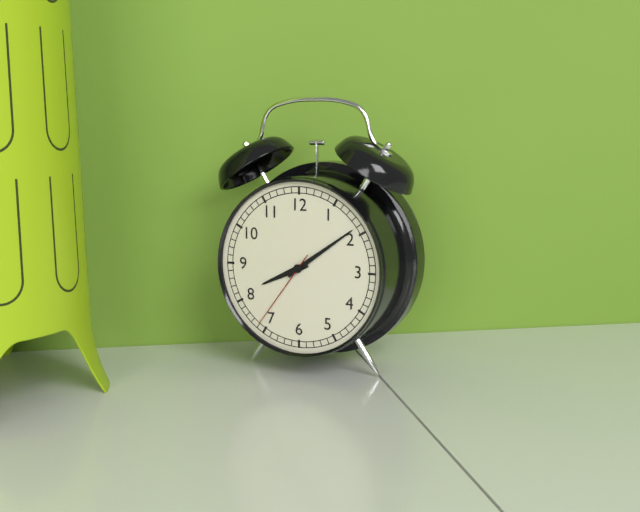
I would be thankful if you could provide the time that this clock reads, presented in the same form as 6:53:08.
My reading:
8:09:36
